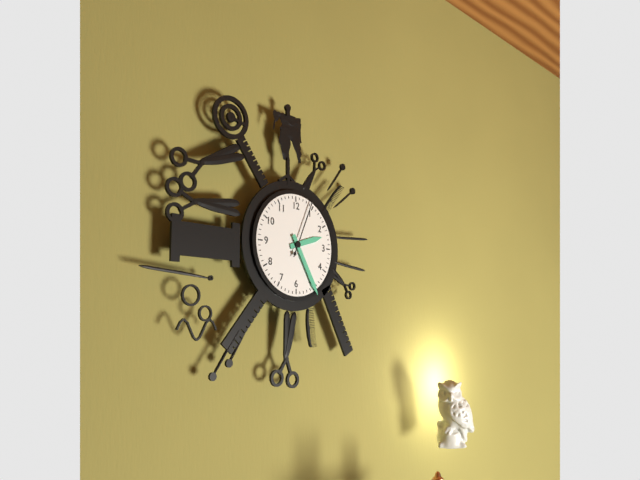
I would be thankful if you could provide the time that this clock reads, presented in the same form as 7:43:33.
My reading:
2:25:04
